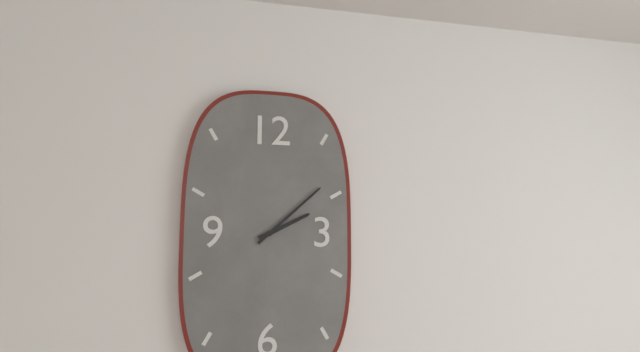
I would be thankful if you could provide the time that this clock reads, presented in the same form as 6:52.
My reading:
2:08
